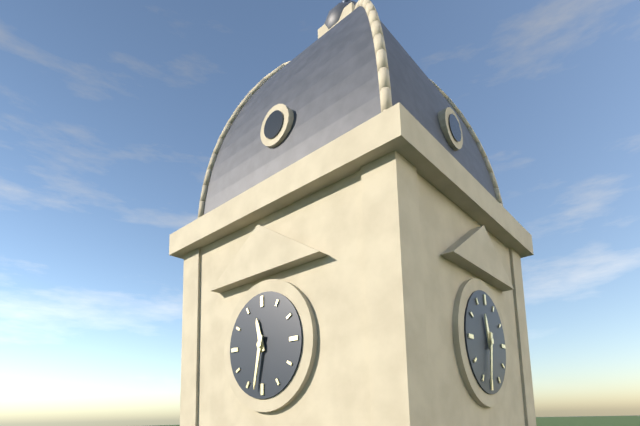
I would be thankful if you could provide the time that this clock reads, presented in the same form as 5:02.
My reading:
11:32
